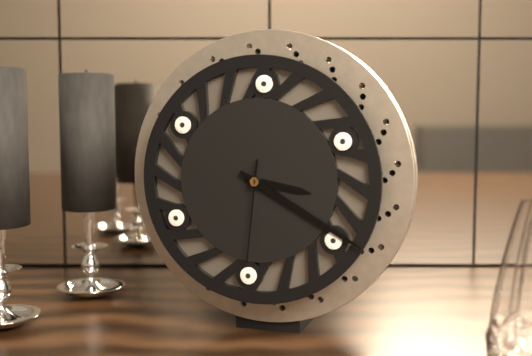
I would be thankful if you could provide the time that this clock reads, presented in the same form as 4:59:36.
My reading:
3:20:31
